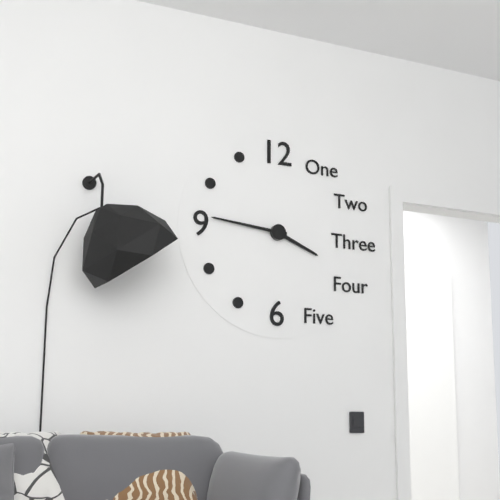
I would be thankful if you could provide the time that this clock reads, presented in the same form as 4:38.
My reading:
3:46
